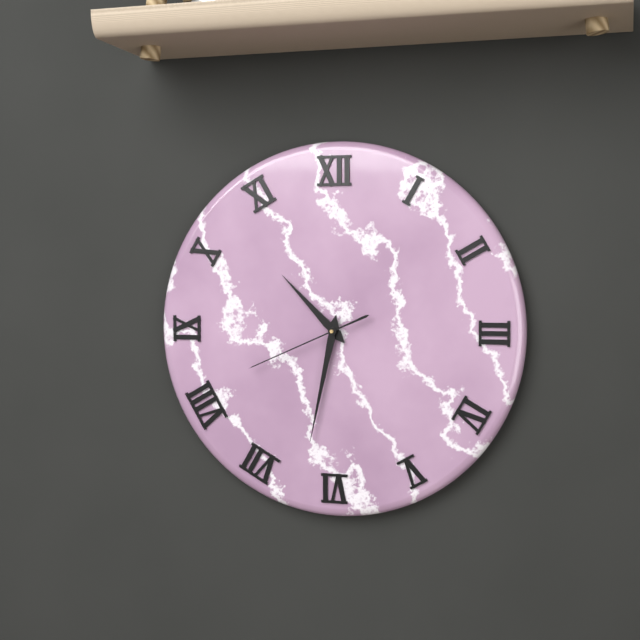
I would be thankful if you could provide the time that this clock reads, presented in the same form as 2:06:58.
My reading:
10:32:41
